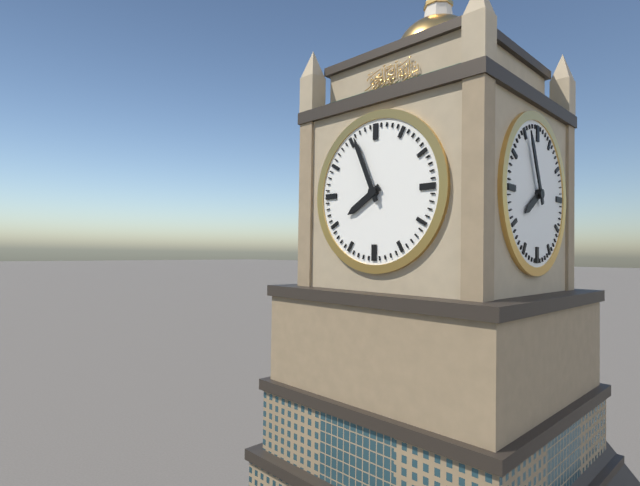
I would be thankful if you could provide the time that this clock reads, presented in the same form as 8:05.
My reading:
7:56
